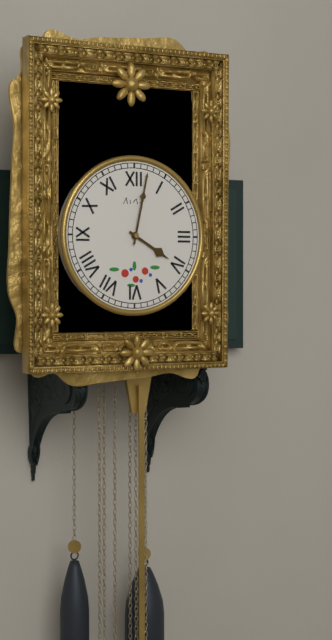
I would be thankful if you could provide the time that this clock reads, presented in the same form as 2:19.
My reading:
4:02
